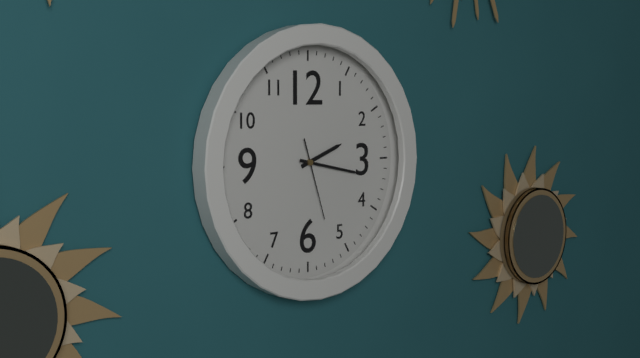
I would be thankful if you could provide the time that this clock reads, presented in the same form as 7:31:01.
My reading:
2:17:27
